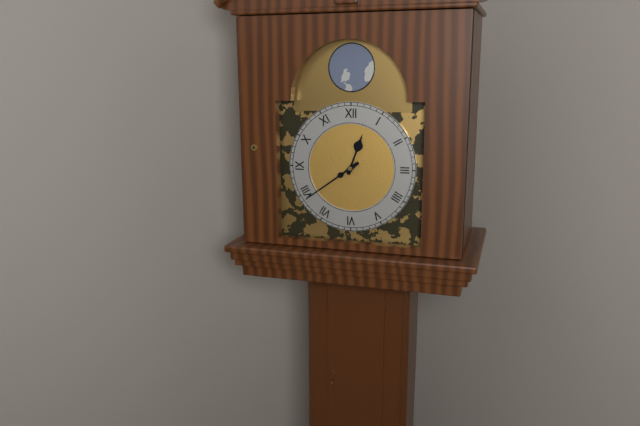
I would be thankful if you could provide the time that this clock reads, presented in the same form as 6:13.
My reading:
12:39
